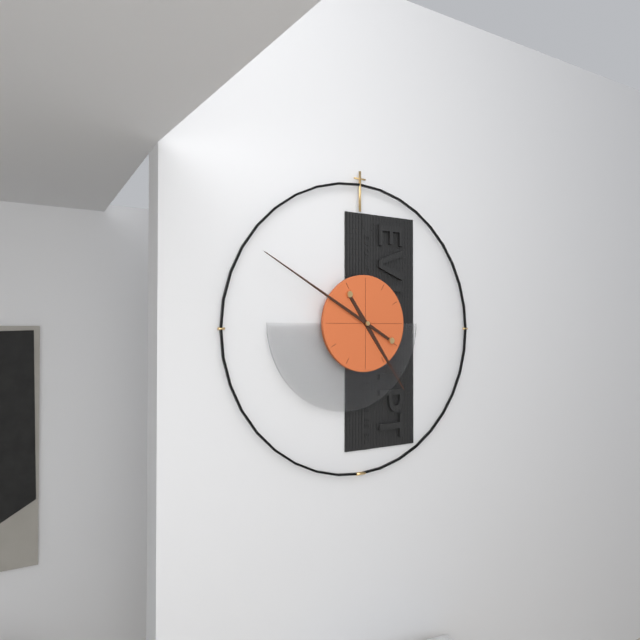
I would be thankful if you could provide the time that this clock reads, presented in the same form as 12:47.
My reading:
4:50
